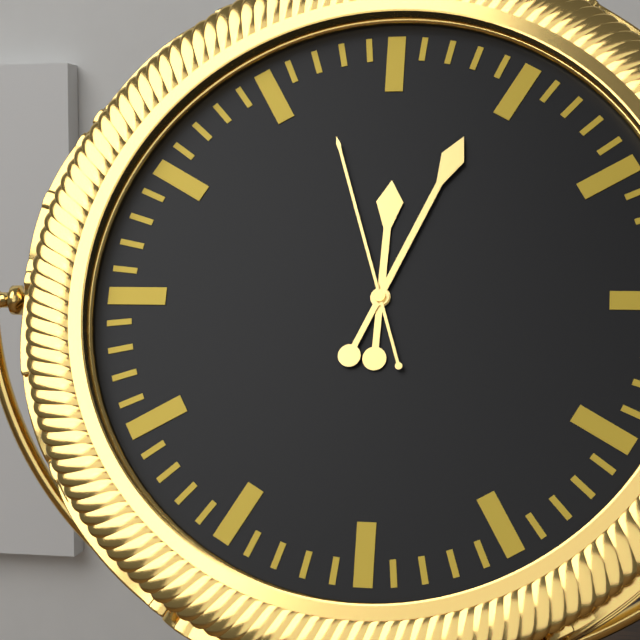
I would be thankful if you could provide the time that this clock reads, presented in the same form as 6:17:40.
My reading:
12:04:57
